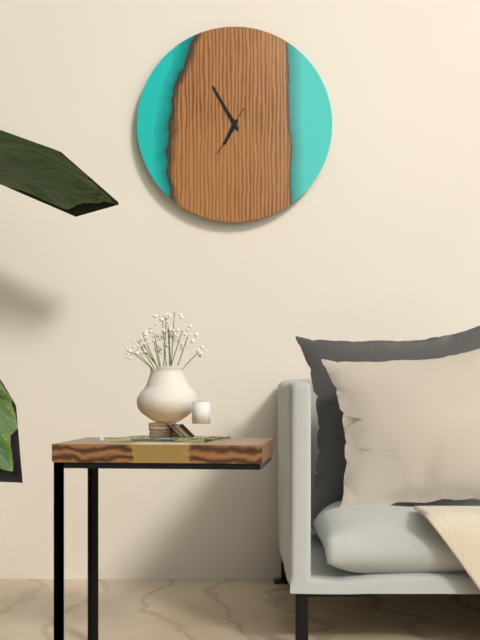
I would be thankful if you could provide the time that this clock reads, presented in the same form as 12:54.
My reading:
6:55
